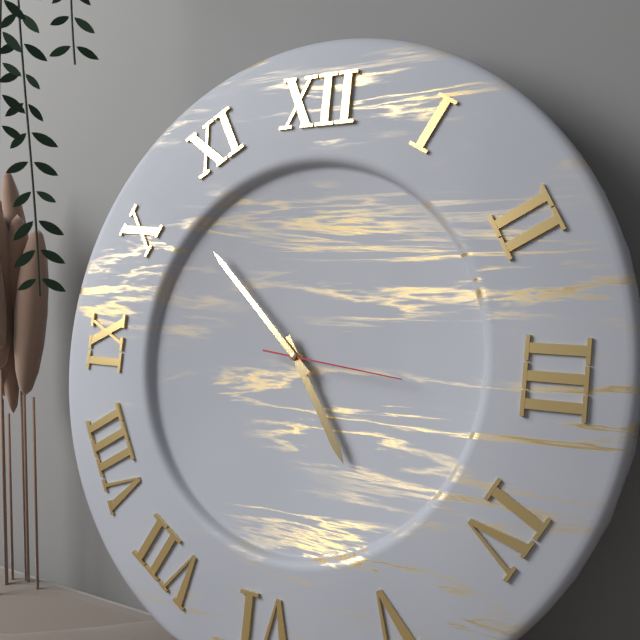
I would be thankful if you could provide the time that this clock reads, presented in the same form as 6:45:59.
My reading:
4:52:16
